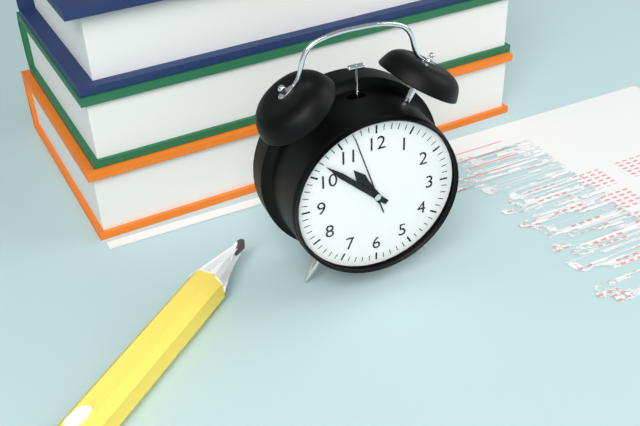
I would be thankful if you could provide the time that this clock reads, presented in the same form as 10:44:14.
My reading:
10:52:57
